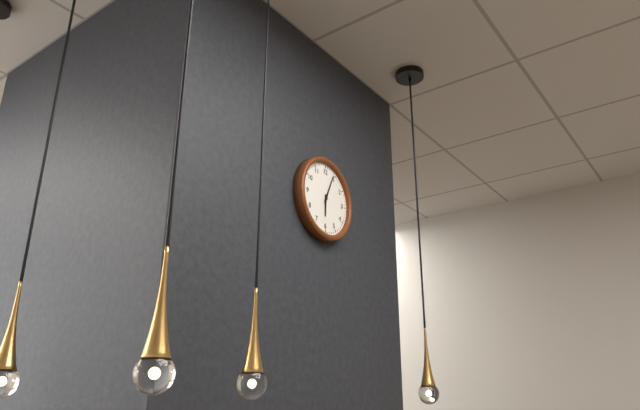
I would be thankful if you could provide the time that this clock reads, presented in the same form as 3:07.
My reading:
6:04
